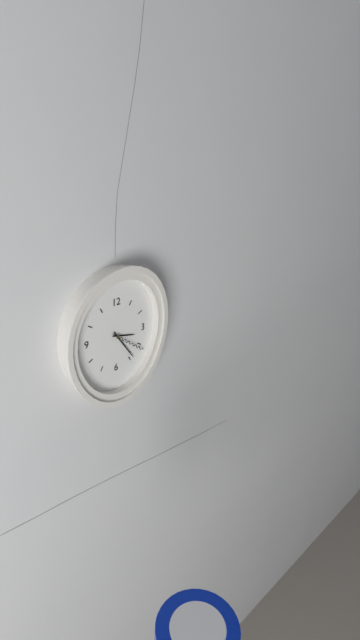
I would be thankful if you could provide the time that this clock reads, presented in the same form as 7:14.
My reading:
3:24
